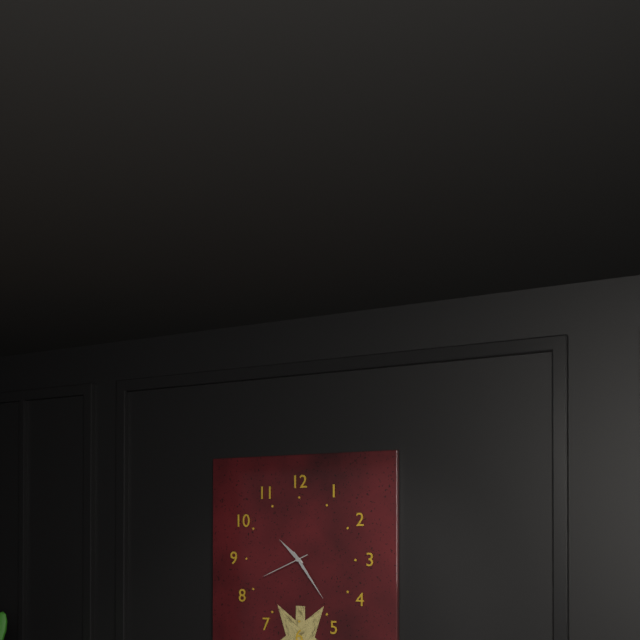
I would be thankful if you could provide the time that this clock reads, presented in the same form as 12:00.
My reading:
10:24
